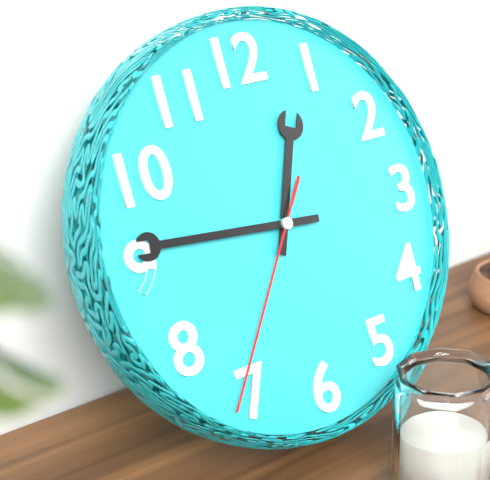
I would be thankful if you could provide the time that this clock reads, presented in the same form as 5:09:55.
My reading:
12:46:36
